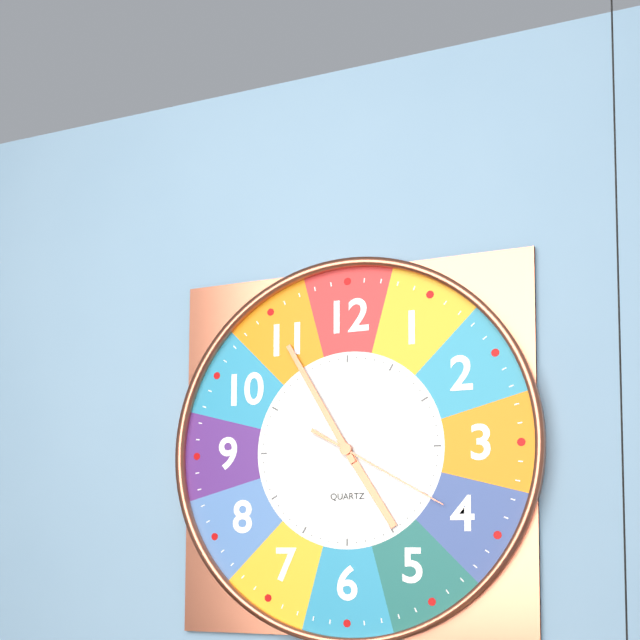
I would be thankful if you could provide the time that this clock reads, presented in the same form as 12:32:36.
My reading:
4:55:20
